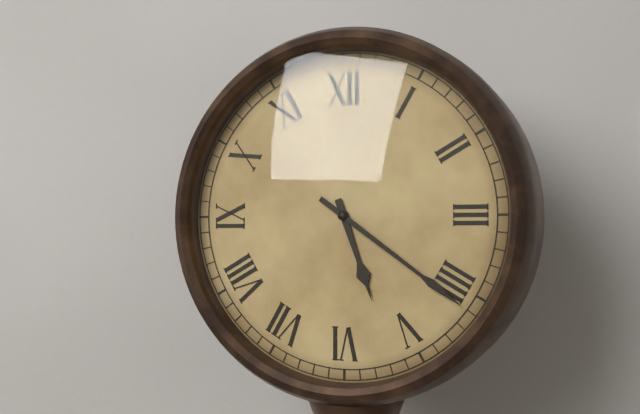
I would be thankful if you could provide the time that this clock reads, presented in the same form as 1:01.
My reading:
5:21
